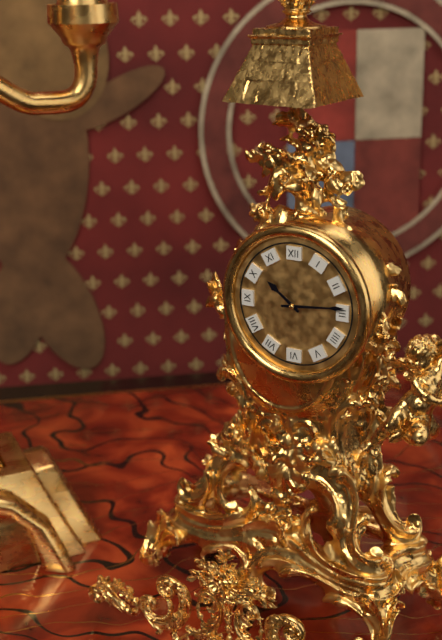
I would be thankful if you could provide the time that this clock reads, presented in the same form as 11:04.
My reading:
10:14
